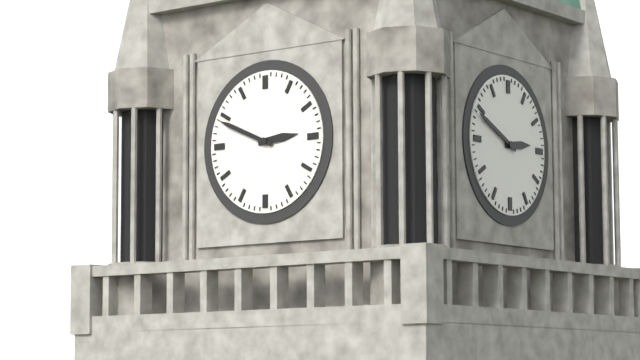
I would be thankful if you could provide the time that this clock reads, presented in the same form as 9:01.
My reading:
2:49
